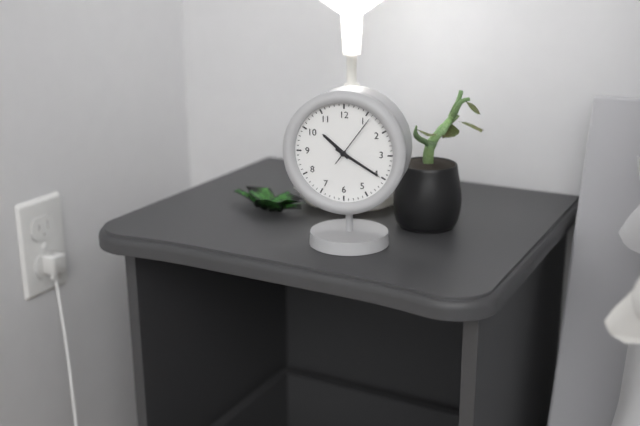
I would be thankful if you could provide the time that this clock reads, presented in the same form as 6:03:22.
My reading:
10:20:06
